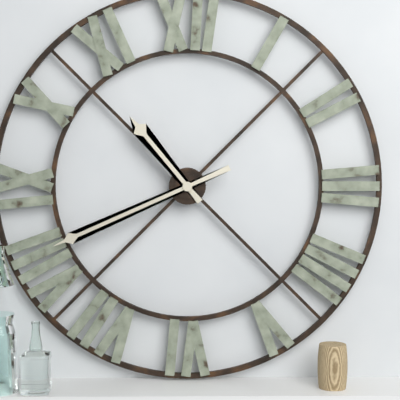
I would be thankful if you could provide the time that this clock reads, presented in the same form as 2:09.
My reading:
10:41
